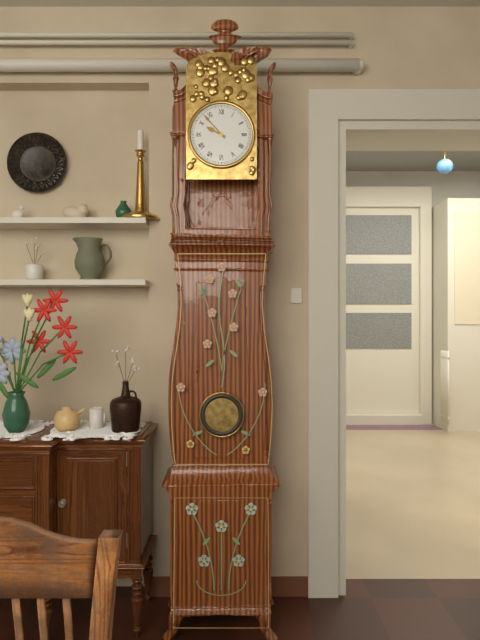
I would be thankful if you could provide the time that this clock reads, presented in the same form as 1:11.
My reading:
9:53
